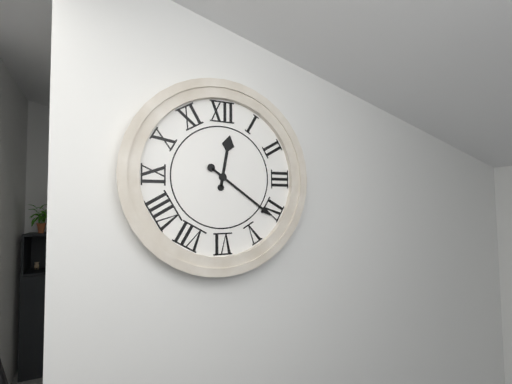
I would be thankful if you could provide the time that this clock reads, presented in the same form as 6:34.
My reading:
12:21
